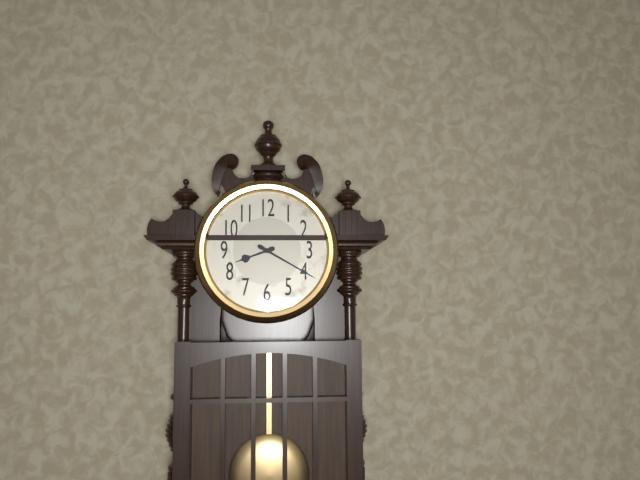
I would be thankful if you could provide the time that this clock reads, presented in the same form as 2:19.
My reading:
8:20
